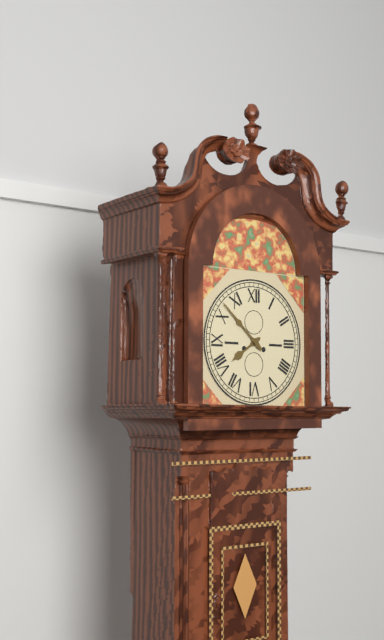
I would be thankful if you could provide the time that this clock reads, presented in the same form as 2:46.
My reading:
7:52
